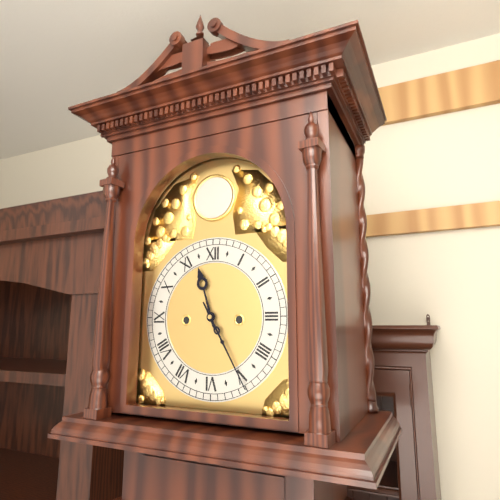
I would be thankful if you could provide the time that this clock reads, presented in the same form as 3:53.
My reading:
11:25
